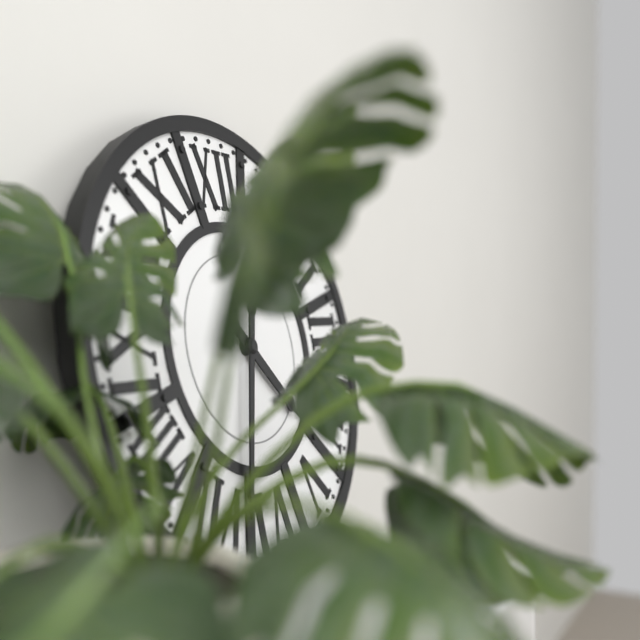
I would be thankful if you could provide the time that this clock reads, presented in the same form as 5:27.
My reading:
4:33
